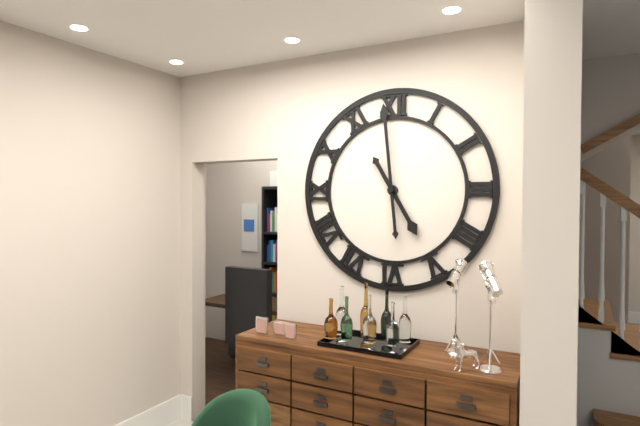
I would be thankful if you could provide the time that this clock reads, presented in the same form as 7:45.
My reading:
4:59
